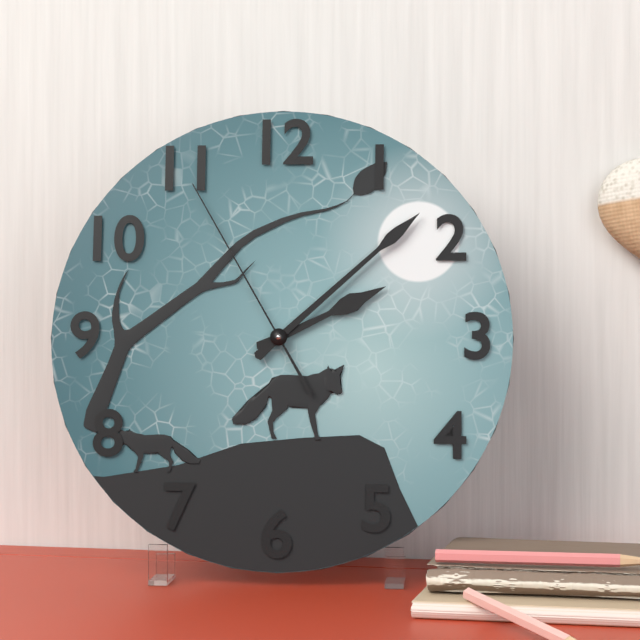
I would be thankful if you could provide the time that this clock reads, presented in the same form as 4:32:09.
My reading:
2:08:55
